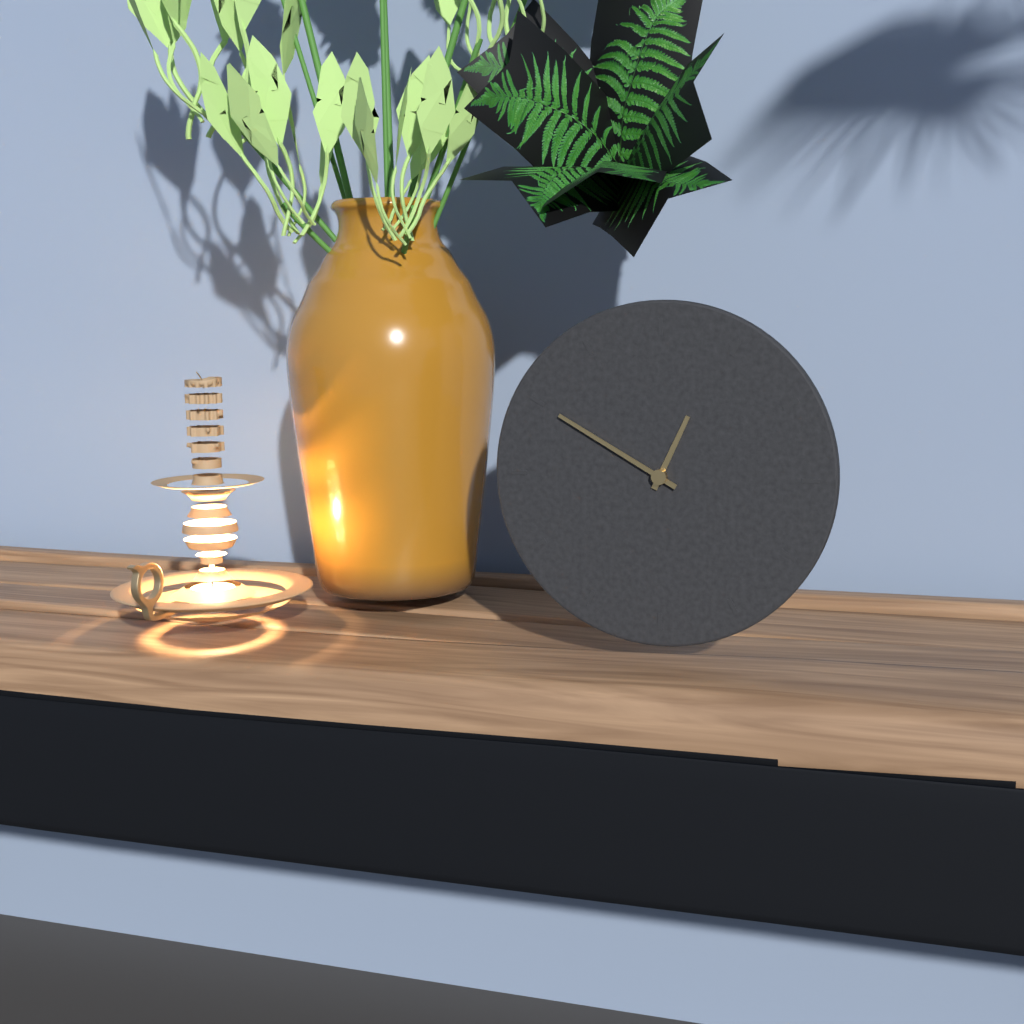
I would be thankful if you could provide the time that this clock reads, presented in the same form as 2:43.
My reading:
12:50
